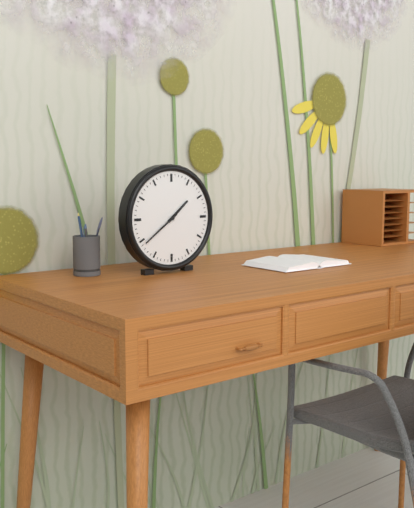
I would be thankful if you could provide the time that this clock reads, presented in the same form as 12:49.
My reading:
1:39
